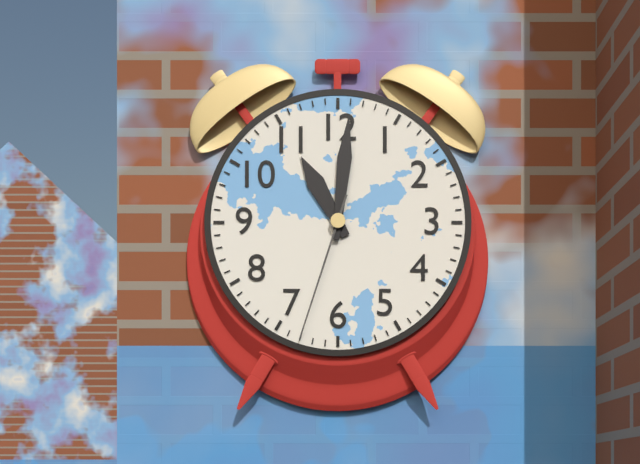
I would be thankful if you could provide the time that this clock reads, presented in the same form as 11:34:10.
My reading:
11:01:33
